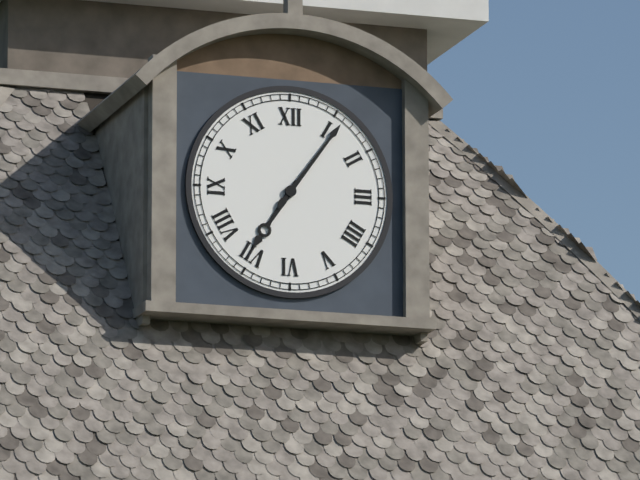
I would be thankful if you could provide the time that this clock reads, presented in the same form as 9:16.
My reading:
7:06
